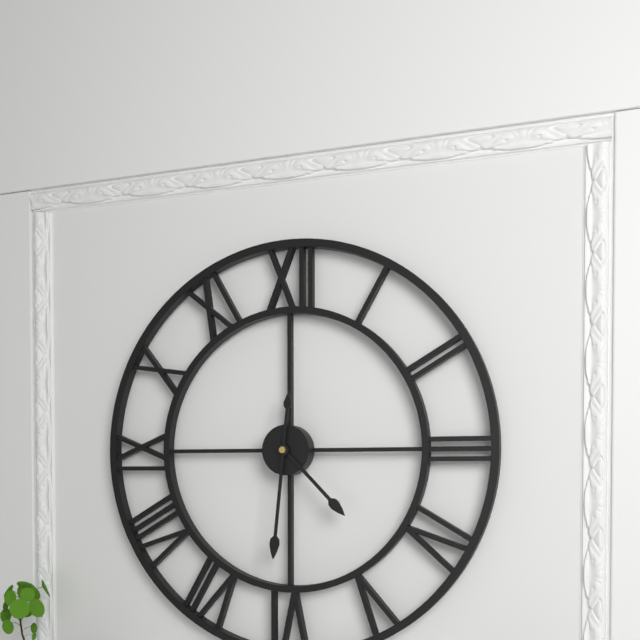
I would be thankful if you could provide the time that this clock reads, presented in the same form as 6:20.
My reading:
4:31
